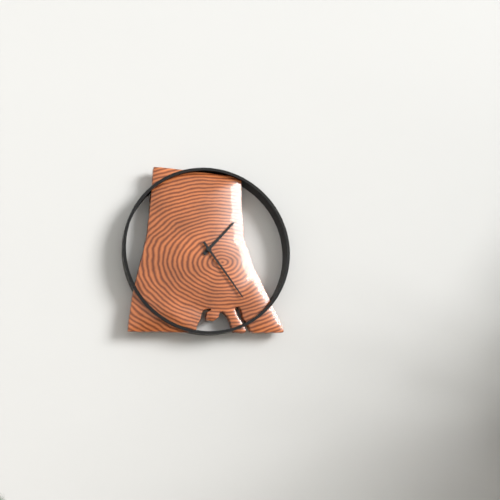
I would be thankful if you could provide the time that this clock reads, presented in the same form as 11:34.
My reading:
1:24
